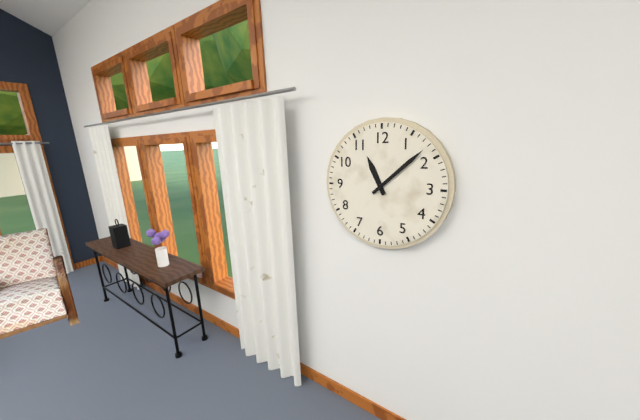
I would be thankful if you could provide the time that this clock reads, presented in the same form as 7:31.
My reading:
11:08
